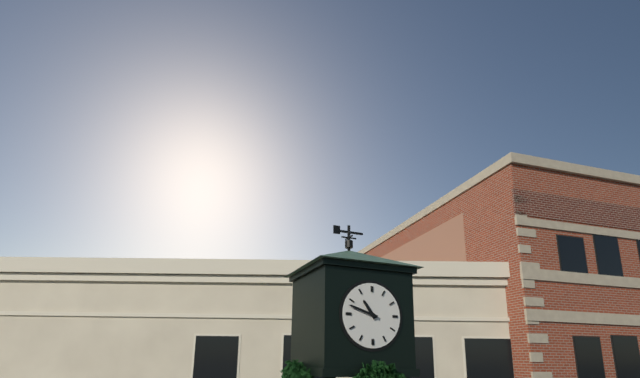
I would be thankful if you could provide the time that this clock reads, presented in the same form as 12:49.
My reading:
10:48
